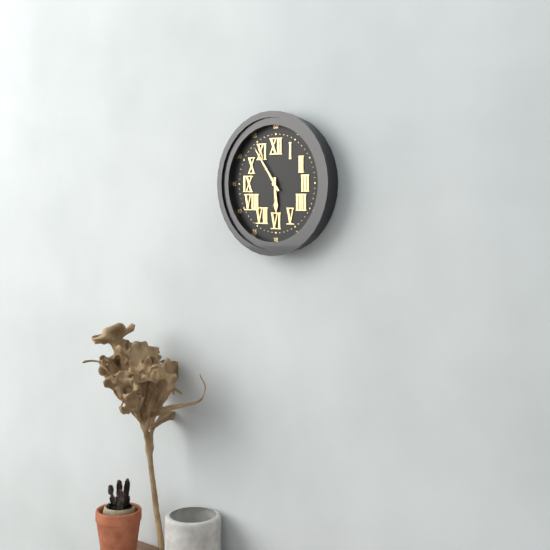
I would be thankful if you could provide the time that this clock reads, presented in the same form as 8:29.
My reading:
5:54
